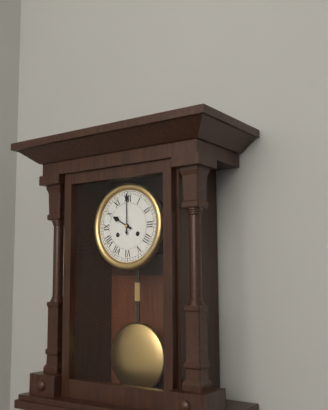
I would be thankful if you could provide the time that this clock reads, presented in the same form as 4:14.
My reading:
10:00
